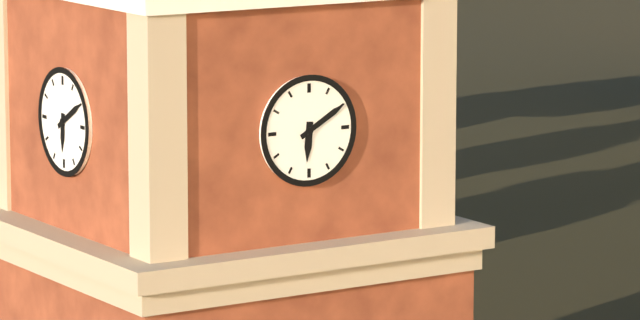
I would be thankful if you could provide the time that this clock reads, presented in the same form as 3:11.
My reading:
6:10
